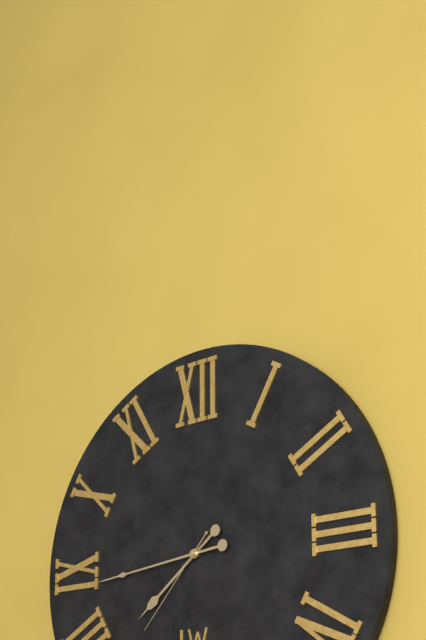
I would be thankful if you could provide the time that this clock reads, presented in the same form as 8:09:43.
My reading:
7:44:37
